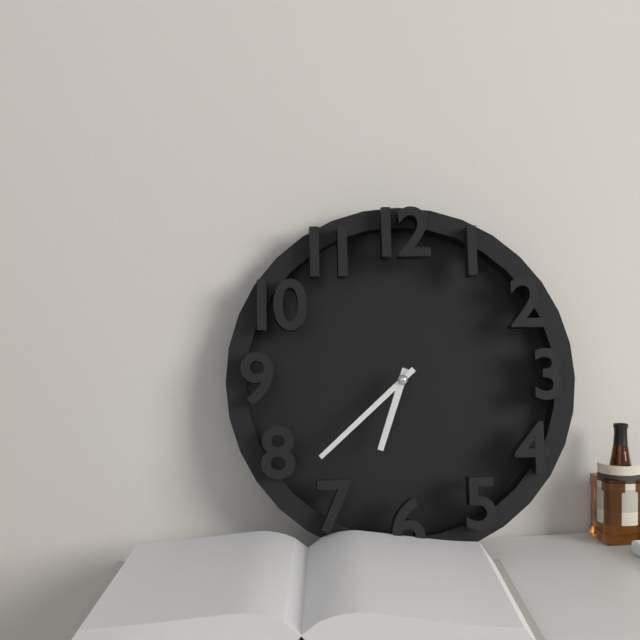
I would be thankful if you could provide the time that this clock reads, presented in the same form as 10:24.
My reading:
6:38
